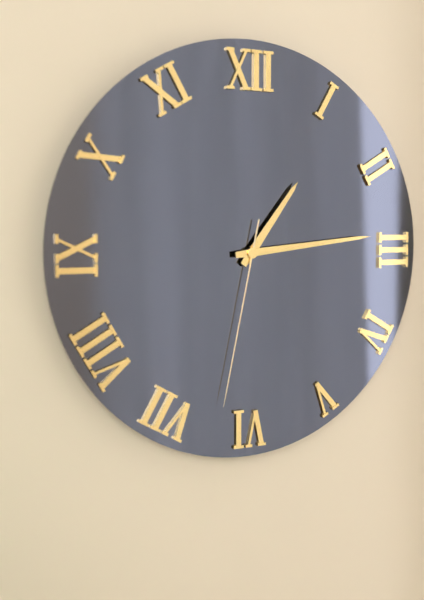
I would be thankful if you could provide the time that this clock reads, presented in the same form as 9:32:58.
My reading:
1:14:32
